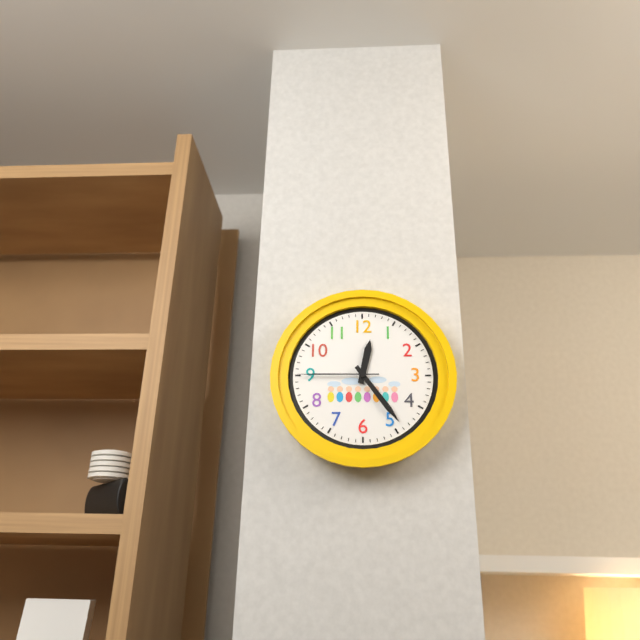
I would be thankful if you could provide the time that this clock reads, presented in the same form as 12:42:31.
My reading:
12:24:45
